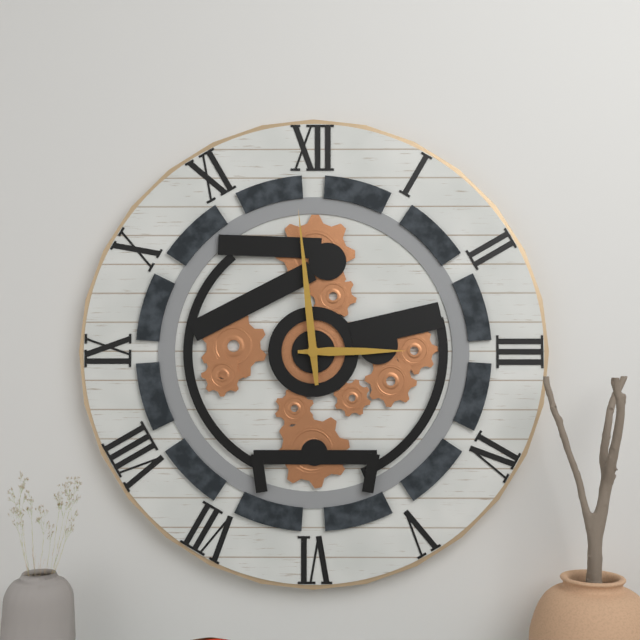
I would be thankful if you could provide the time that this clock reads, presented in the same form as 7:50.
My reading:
2:59
